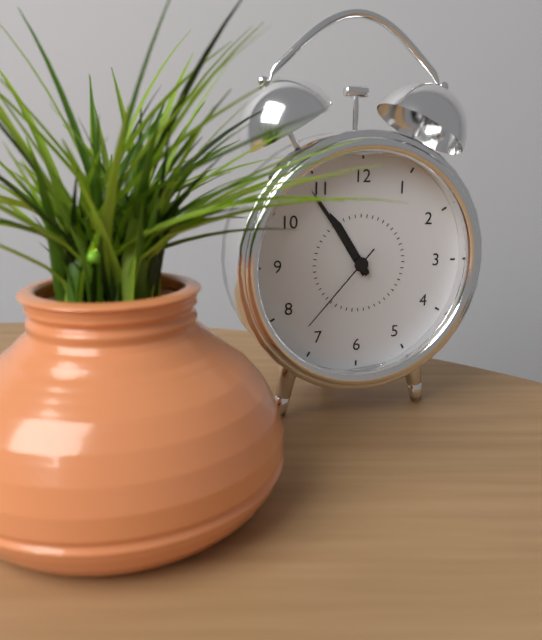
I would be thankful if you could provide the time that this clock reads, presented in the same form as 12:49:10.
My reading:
10:54:37
